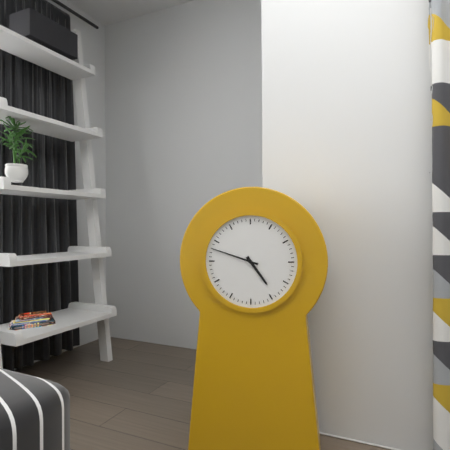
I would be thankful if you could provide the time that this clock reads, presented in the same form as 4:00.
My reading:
4:48
